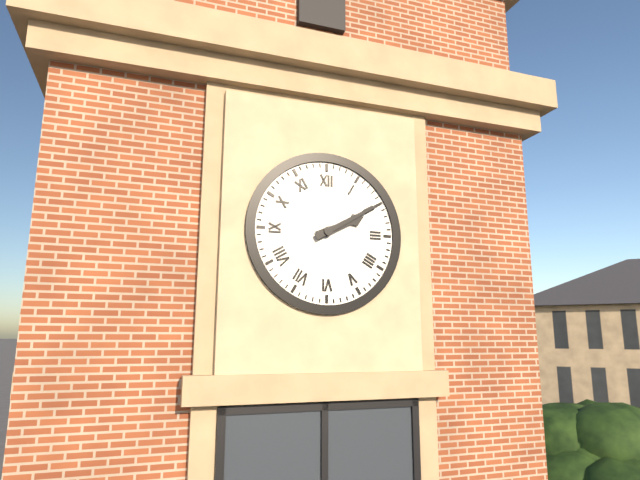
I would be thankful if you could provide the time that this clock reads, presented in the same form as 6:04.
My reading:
2:10
